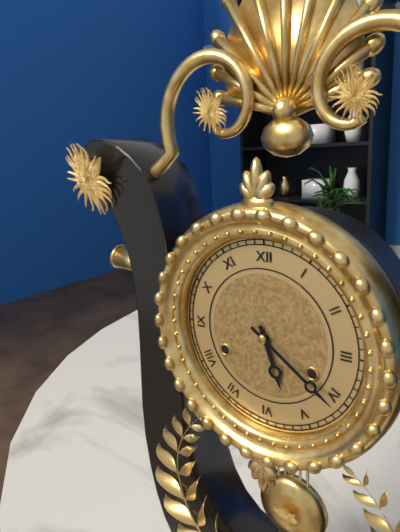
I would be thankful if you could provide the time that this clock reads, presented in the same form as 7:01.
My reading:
5:21
